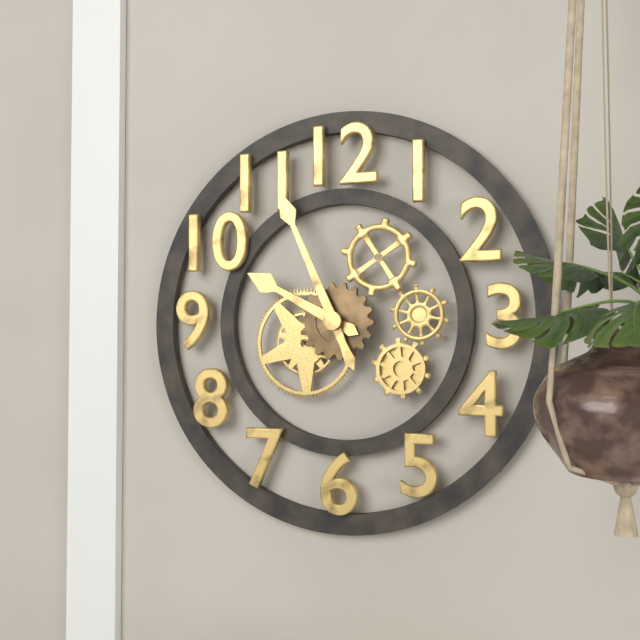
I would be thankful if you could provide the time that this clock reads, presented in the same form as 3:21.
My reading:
9:56
